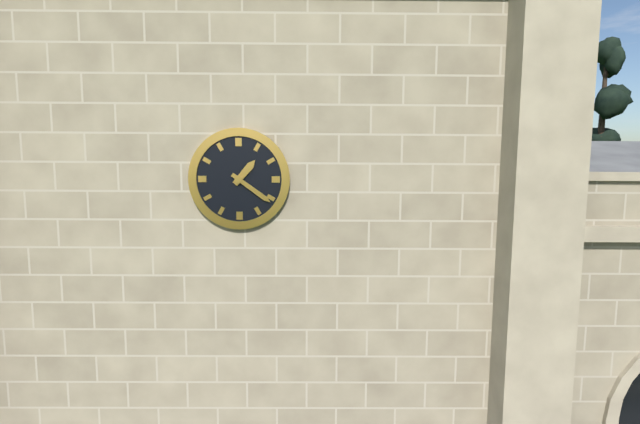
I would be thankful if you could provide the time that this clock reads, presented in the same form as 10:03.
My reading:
1:21
